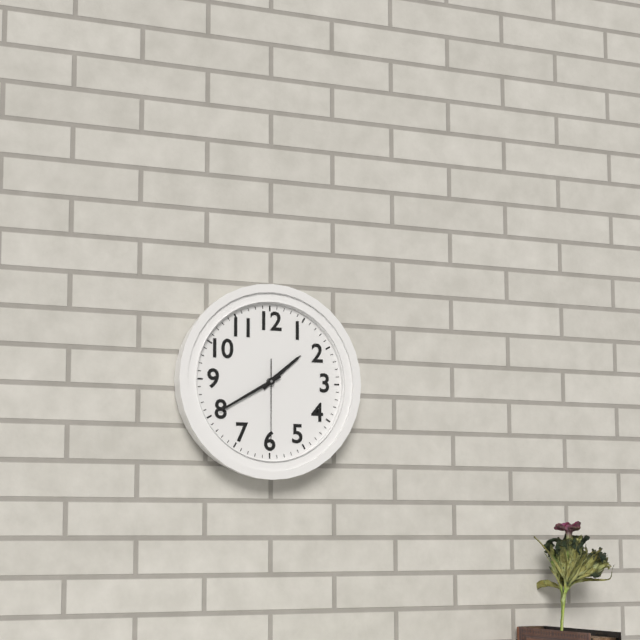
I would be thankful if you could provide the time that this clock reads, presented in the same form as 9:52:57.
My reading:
1:40:30
